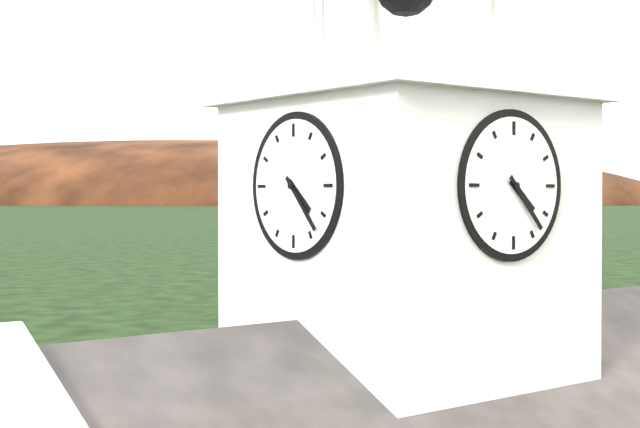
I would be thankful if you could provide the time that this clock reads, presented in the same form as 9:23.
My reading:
4:23
